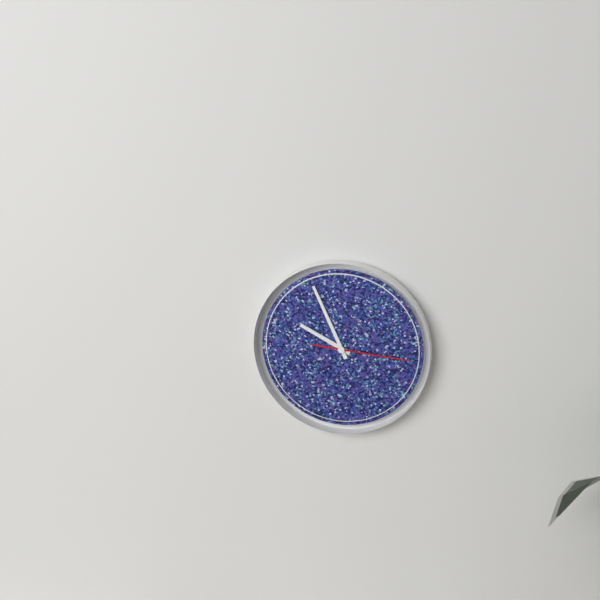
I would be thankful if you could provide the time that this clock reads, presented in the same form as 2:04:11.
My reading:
9:56:16
